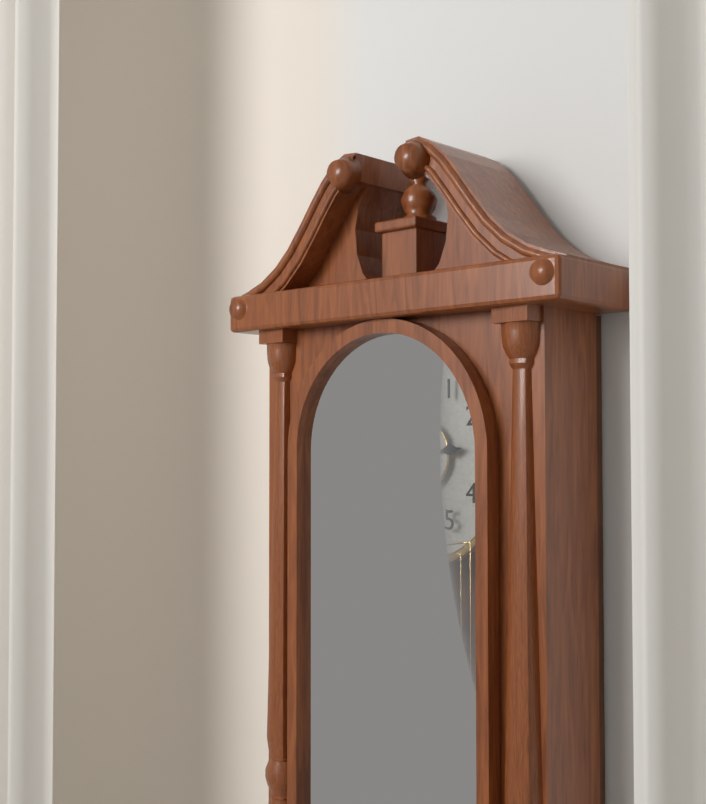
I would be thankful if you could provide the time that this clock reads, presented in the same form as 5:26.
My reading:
2:45
